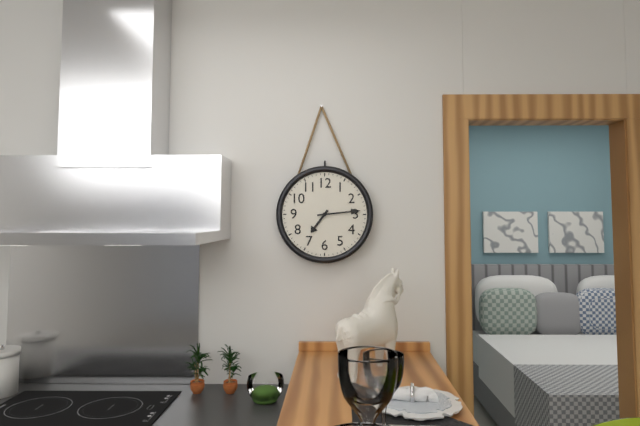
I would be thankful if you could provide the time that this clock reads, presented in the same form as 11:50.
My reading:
7:14
